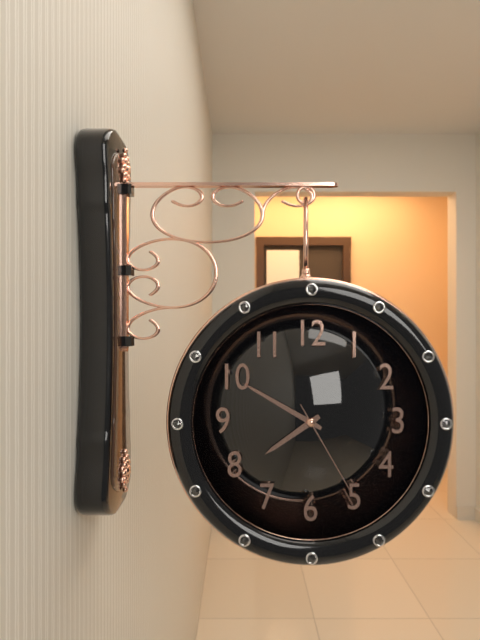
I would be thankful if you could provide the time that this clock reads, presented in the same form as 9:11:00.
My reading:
7:50:25
